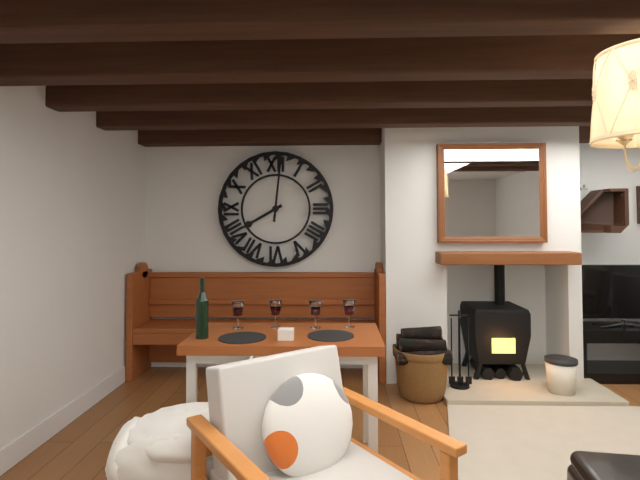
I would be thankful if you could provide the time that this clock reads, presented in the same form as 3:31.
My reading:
8:01
